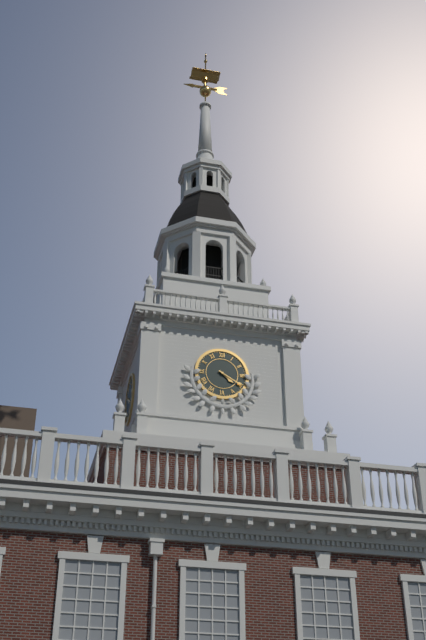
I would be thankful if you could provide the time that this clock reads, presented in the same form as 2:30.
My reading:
4:20
